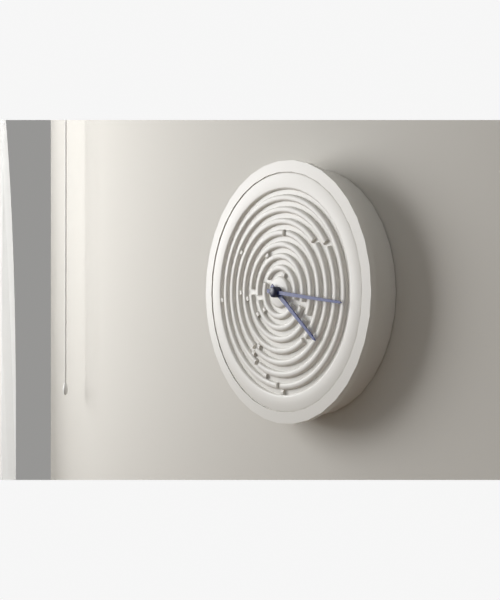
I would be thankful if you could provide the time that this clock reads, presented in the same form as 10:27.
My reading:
4:16
